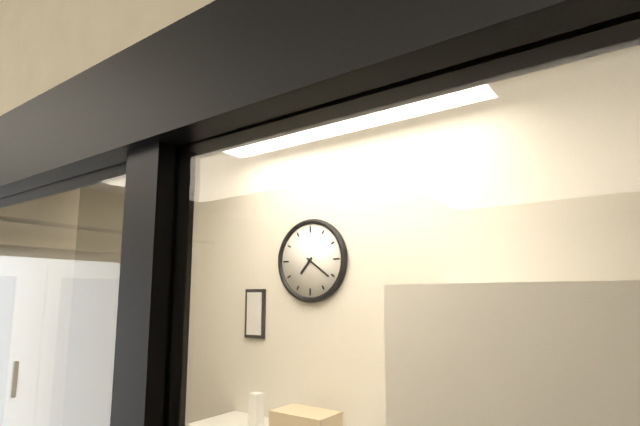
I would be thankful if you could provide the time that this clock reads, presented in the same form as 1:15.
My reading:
7:21
